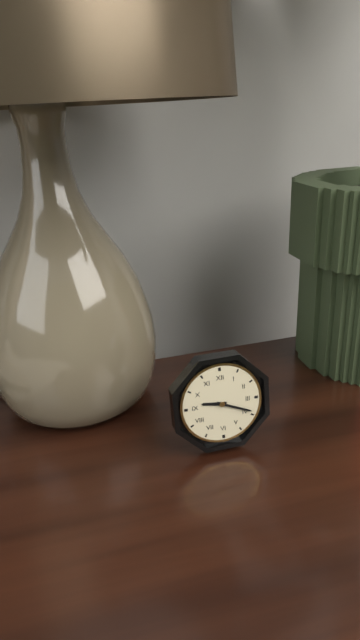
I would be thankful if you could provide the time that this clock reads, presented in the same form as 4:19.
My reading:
9:19
